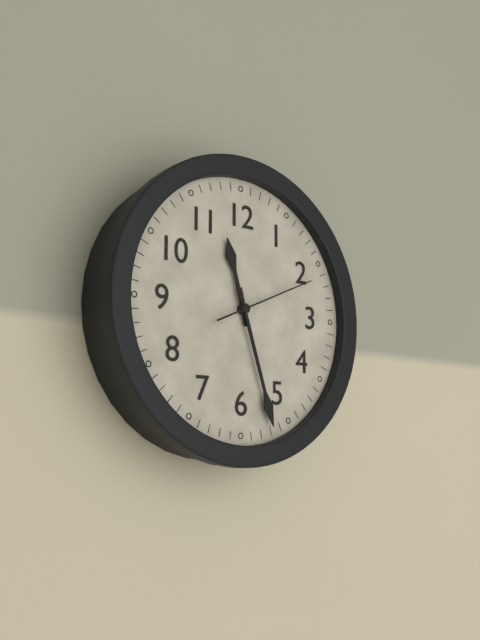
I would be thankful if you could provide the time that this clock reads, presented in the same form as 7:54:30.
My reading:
11:27:11
